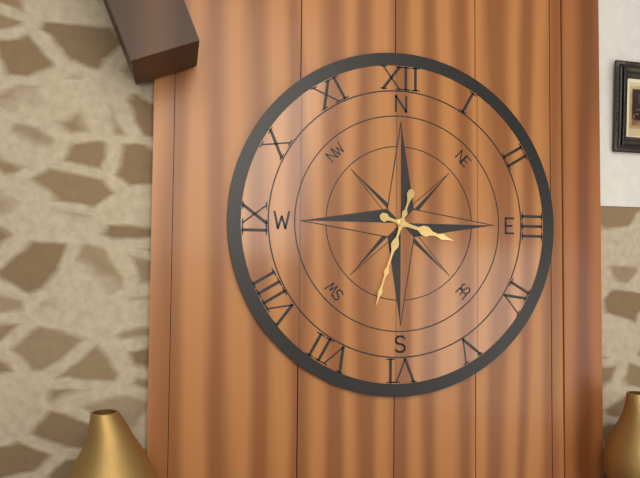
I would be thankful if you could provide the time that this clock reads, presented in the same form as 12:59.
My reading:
3:33
